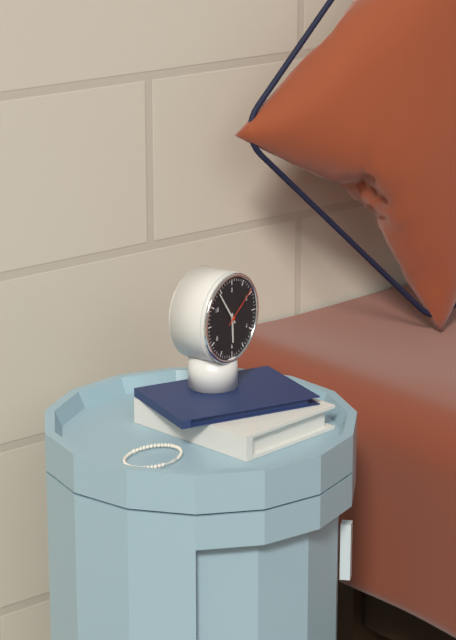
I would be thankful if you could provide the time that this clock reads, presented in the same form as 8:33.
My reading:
5:54
